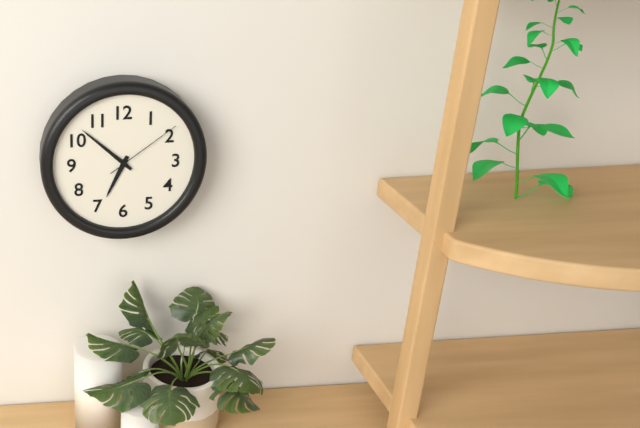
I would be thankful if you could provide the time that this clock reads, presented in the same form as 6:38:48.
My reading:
6:52:09
